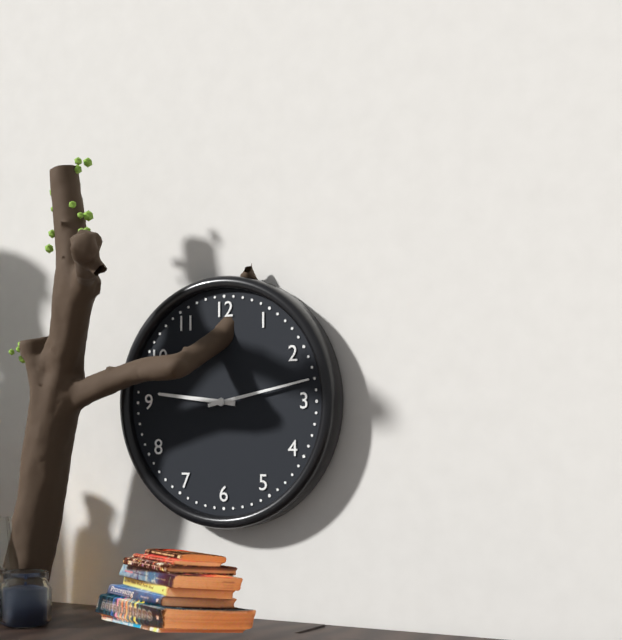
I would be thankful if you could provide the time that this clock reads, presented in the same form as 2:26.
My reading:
9:13
